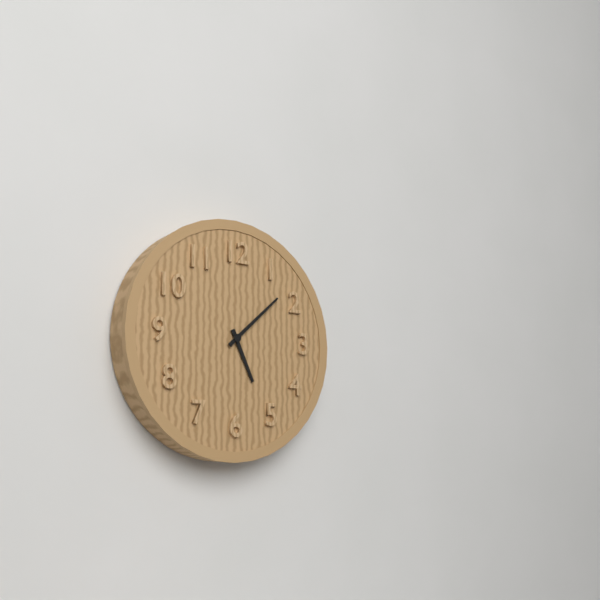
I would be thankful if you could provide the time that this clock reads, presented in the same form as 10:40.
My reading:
5:08
